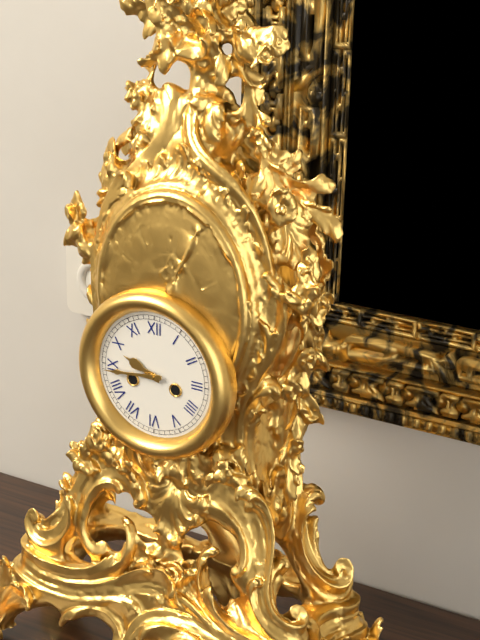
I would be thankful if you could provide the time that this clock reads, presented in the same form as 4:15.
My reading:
9:44
